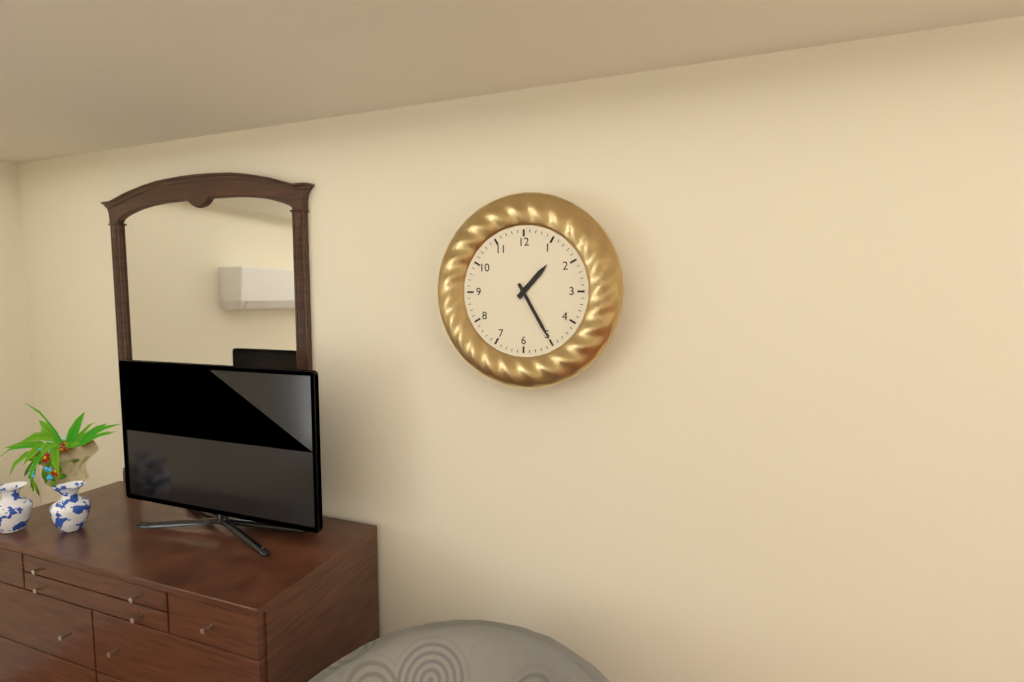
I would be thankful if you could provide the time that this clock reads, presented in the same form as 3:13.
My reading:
1:25
